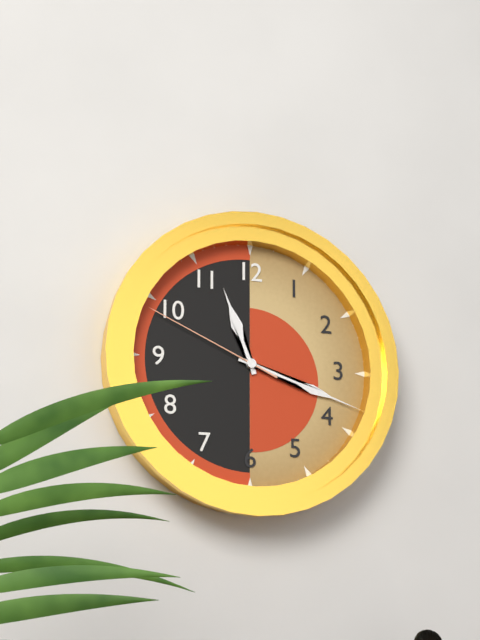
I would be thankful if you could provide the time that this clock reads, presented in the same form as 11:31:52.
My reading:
11:18:49
